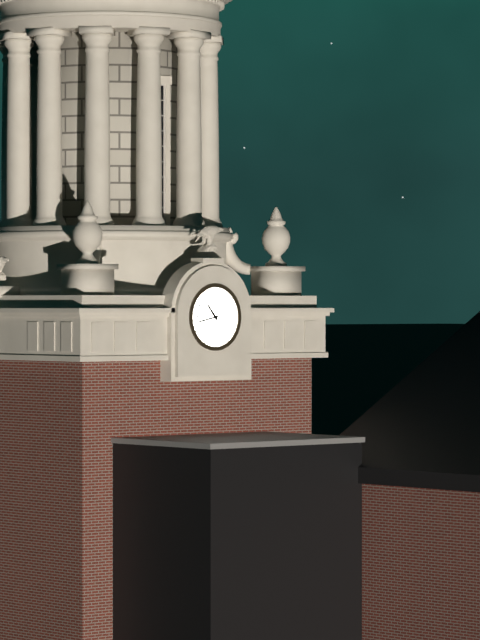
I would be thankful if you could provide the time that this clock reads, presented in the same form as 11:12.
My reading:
10:43
